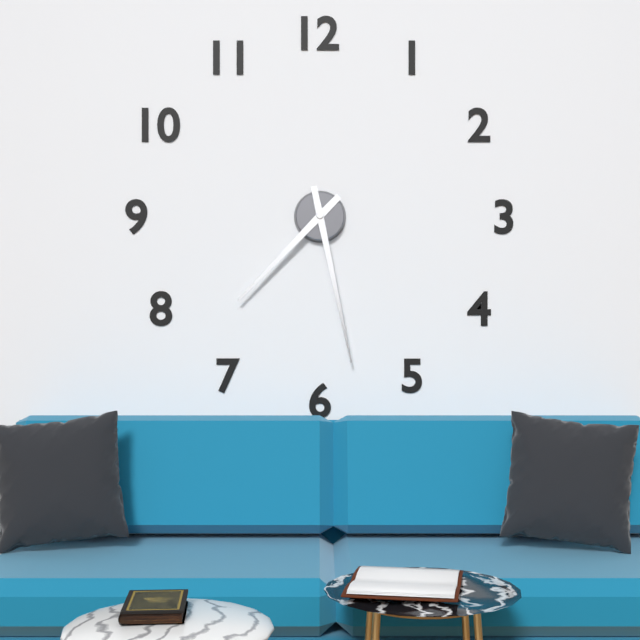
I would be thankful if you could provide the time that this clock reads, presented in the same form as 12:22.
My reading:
7:28
